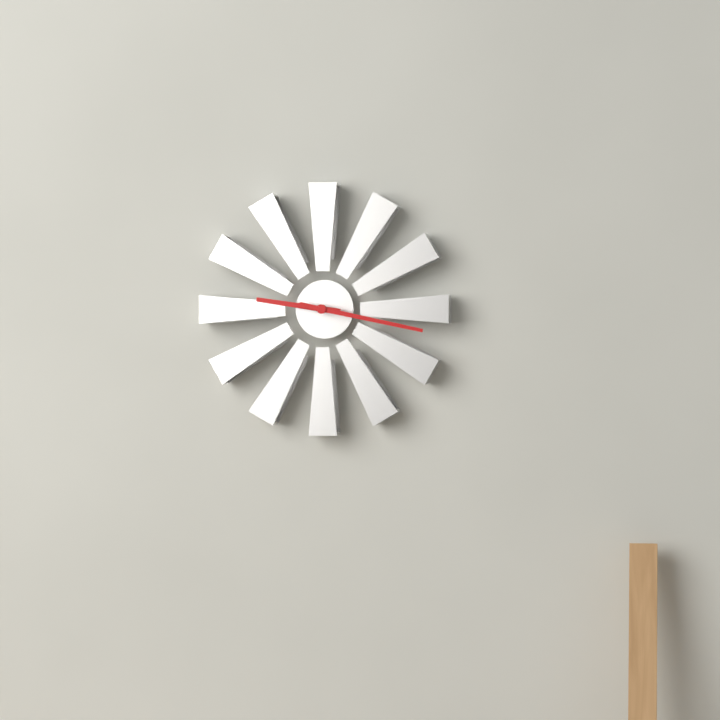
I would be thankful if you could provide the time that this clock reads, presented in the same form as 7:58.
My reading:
9:17
